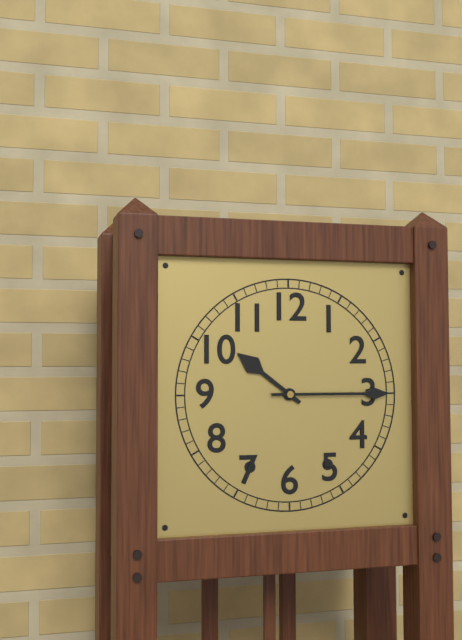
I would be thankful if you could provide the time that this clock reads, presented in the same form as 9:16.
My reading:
10:15
